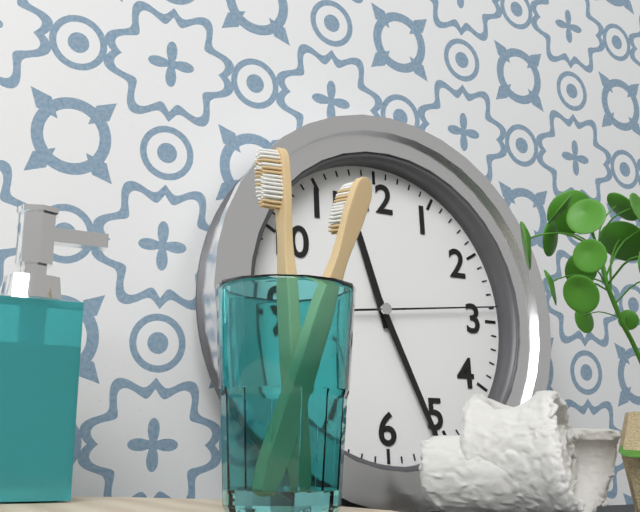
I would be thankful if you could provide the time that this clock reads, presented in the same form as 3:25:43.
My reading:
11:26:14
